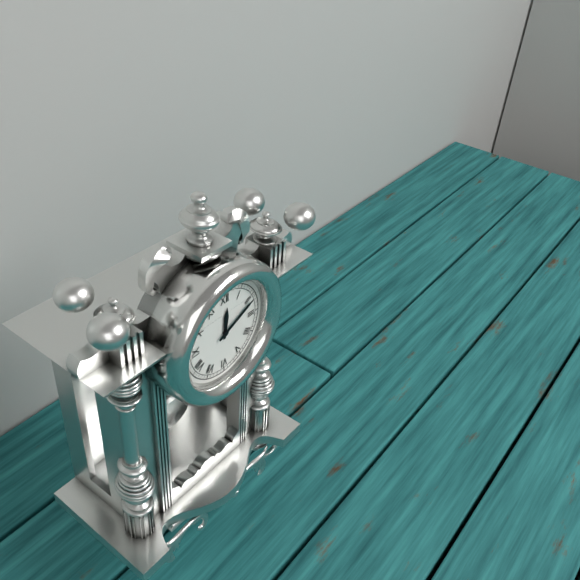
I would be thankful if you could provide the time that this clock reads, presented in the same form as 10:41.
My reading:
12:11
